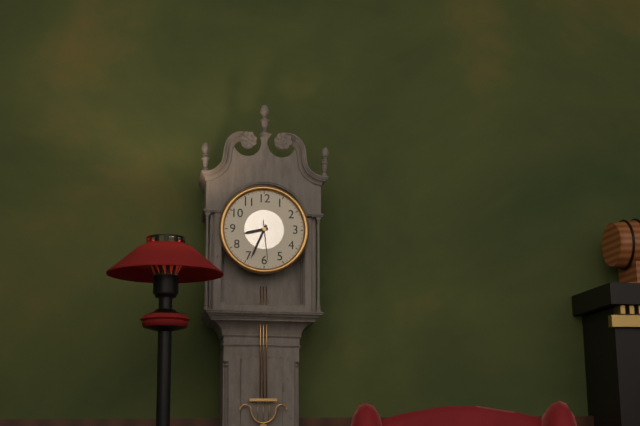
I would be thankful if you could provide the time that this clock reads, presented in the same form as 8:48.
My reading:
8:34
